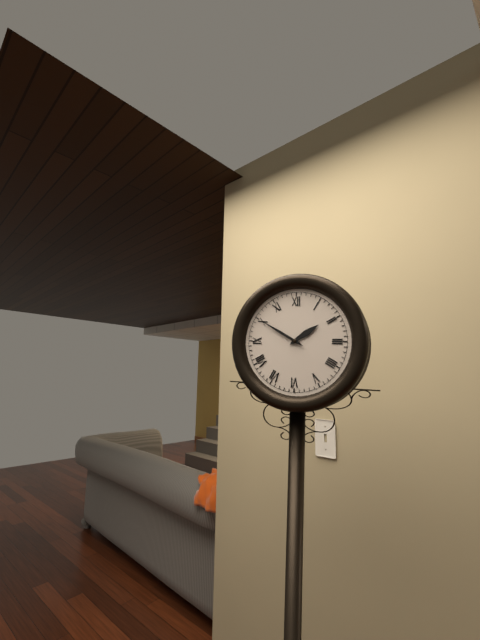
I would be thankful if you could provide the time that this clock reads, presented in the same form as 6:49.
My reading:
1:50
